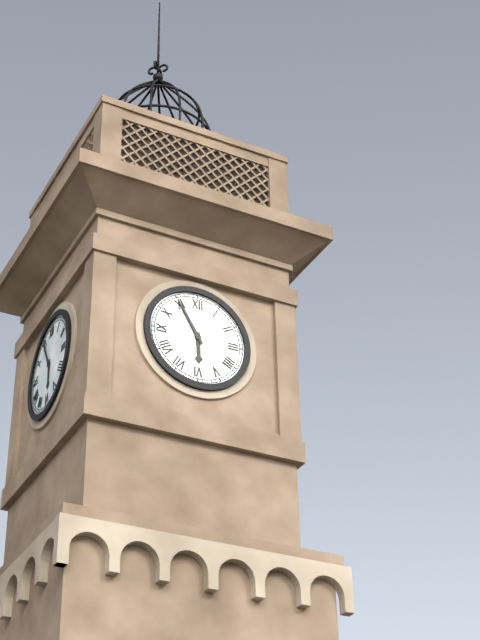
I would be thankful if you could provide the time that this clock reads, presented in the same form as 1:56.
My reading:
5:55
